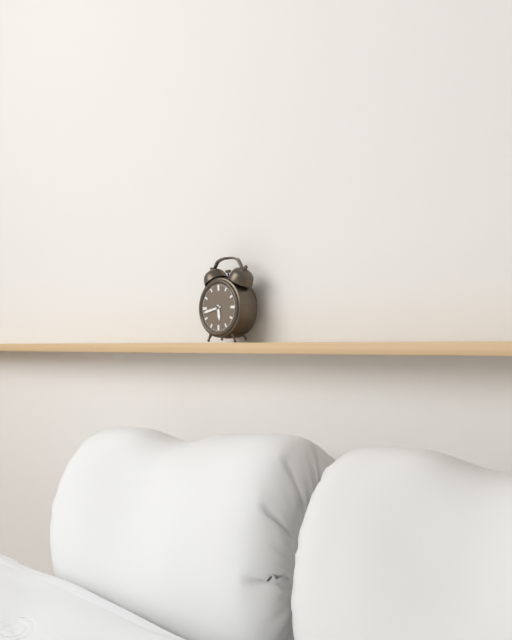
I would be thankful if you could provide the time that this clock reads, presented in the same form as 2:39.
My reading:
5:43
